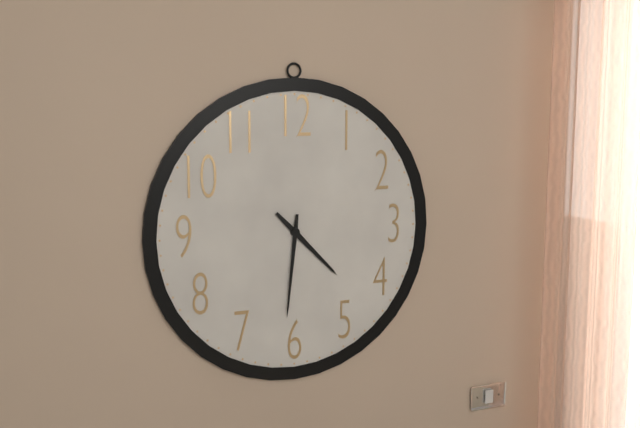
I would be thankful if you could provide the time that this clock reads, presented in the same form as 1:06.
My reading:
4:31
